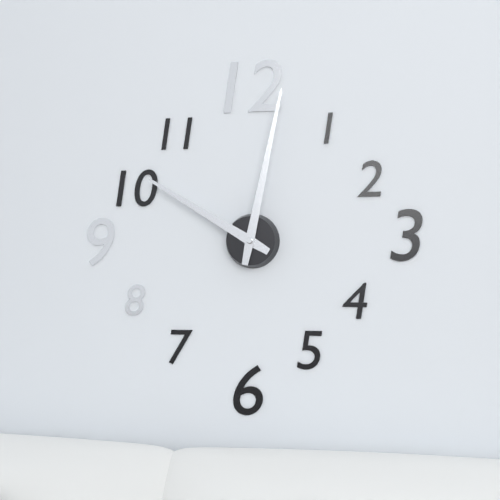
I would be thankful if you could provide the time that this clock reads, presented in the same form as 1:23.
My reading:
10:02
